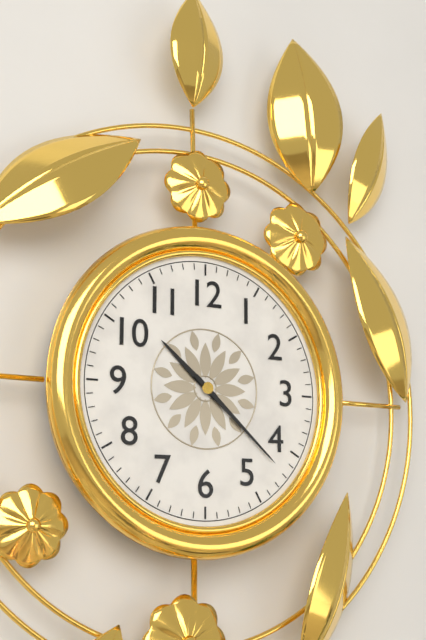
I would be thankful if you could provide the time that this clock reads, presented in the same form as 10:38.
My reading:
10:22
